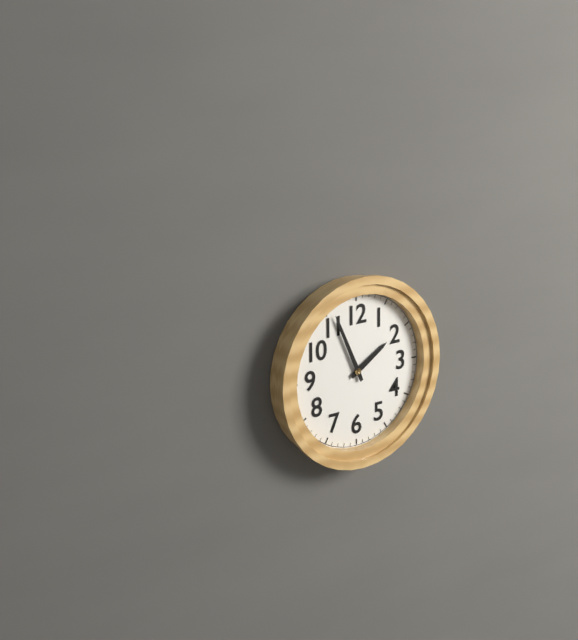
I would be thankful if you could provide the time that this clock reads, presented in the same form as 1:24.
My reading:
1:56
